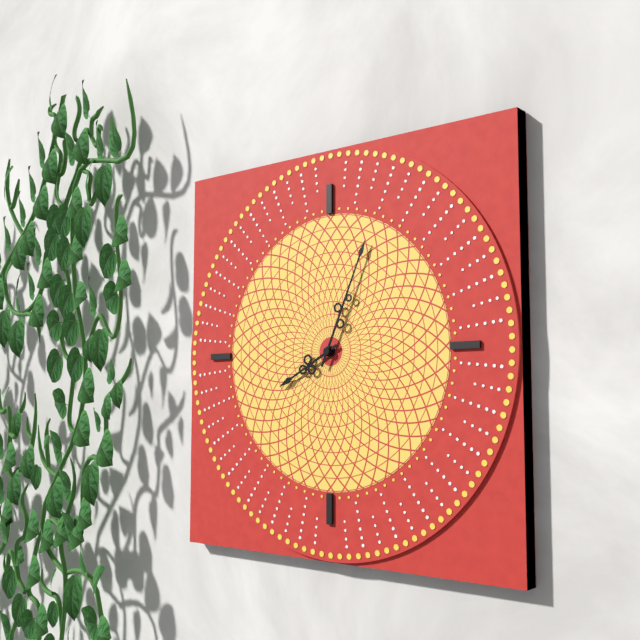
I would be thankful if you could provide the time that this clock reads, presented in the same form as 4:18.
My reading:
8:04
